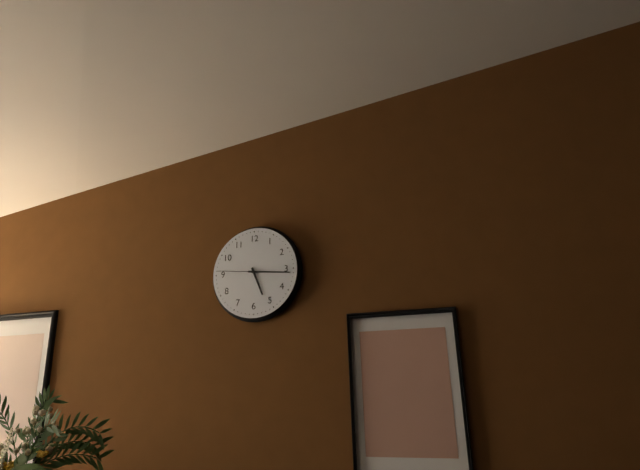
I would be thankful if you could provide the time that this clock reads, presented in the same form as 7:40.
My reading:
5:16
